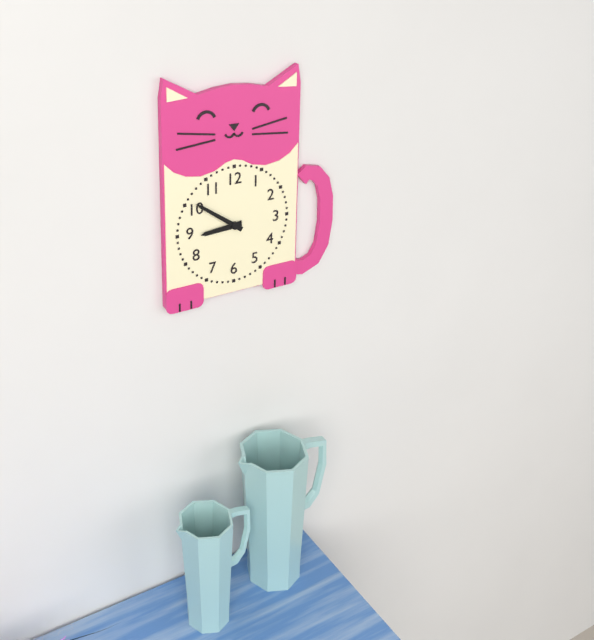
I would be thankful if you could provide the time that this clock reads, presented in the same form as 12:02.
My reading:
8:51
